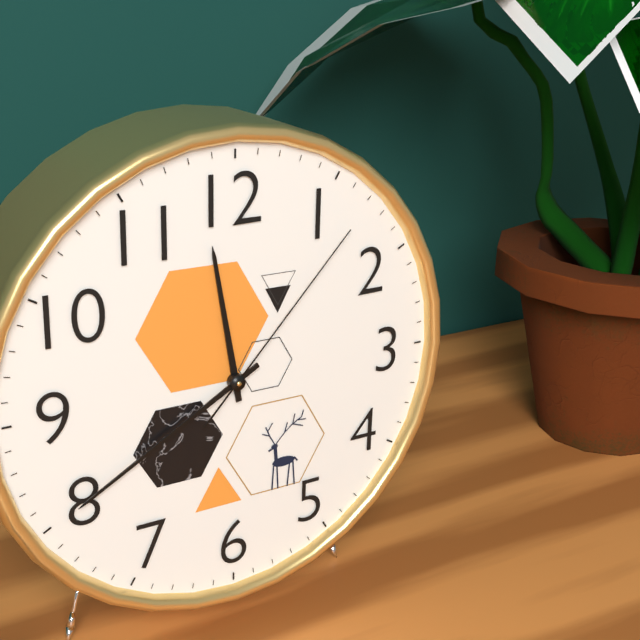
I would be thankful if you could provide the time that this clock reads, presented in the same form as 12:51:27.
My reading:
11:40:07
